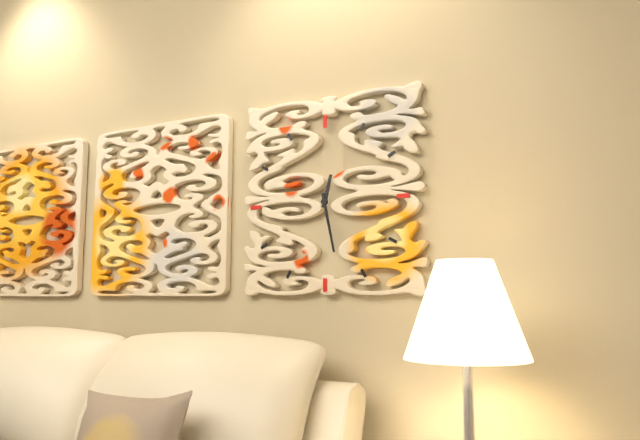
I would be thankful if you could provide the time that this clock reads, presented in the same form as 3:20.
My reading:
12:28
